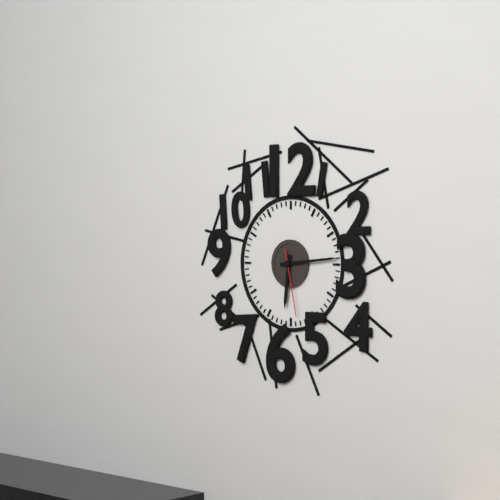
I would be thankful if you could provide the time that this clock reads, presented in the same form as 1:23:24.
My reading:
6:14:28
